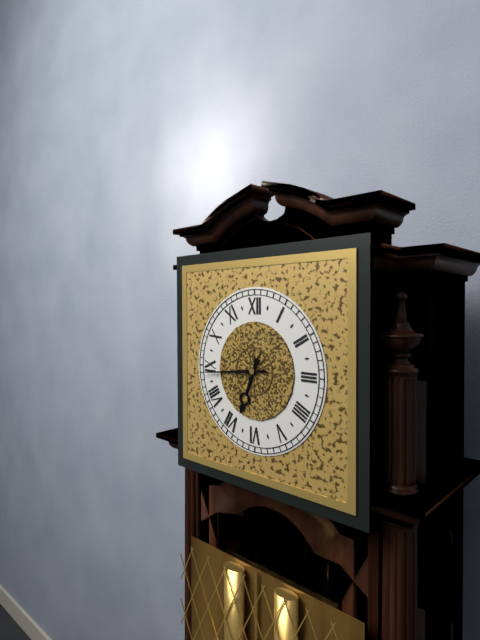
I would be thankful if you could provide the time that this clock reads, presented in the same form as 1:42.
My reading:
6:44
